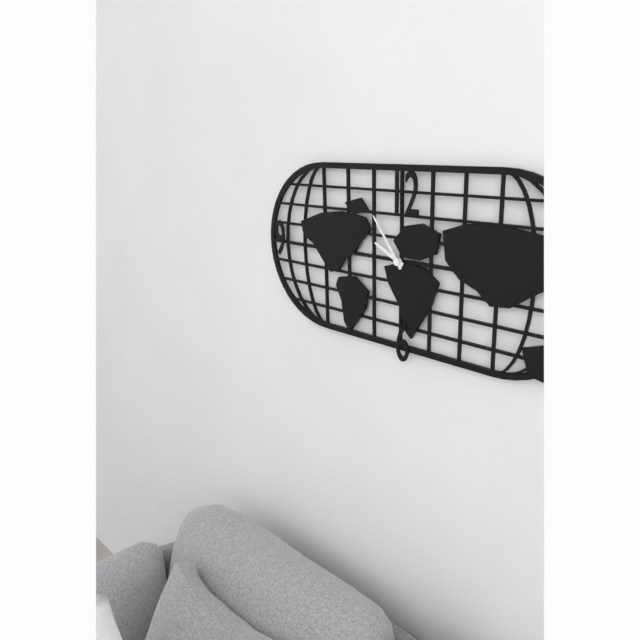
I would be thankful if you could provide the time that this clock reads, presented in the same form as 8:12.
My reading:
9:54
